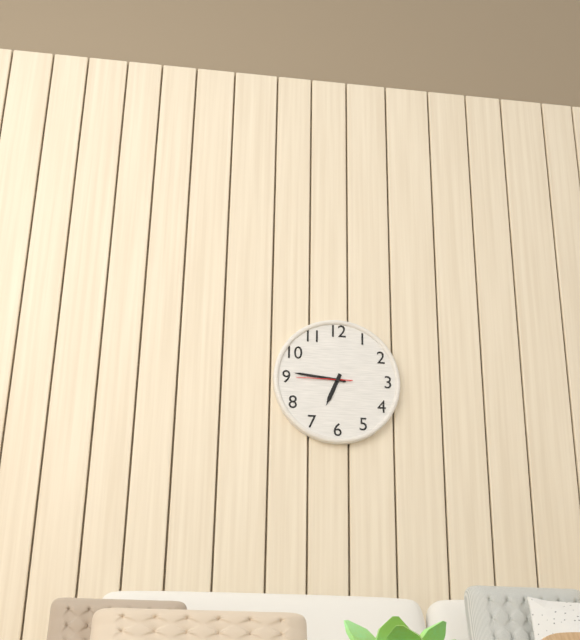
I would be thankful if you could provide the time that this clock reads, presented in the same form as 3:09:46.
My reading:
6:46:45
